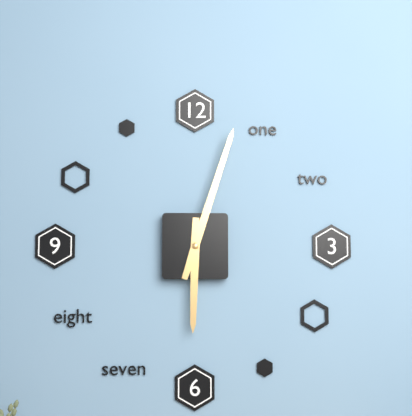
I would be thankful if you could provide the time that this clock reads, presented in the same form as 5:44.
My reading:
6:03
